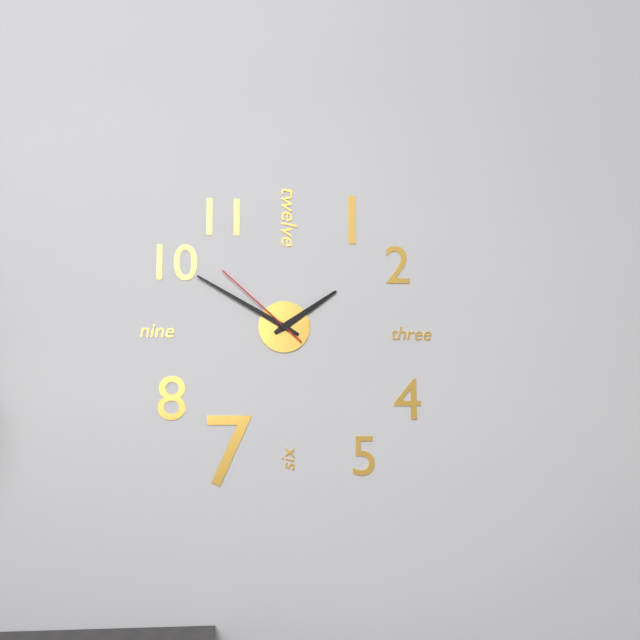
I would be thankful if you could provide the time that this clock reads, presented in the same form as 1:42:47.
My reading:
1:50:52
